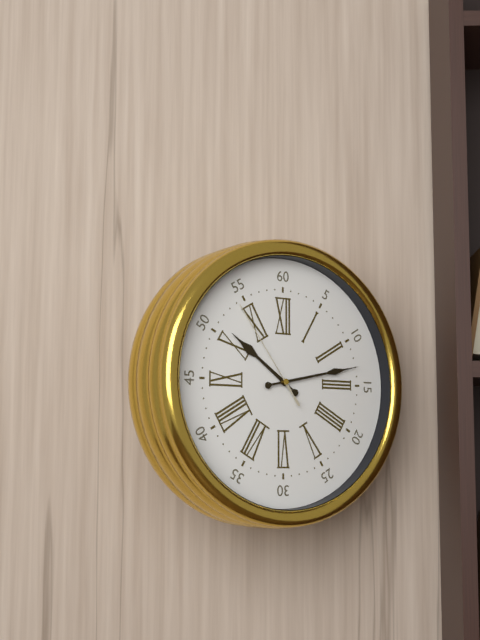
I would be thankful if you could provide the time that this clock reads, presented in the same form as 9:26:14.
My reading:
10:13:54
